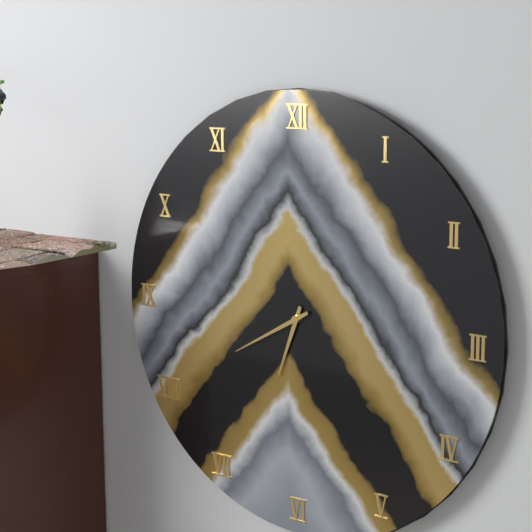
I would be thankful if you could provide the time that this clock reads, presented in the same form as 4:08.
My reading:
6:40
